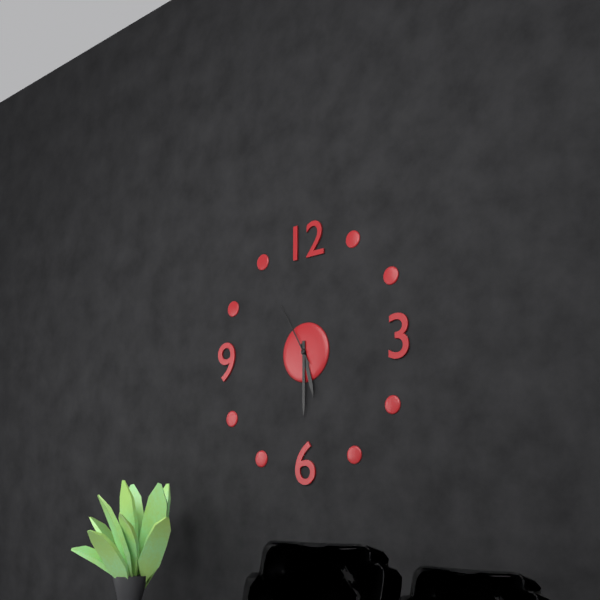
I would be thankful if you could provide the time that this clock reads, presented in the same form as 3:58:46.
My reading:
5:30:55
